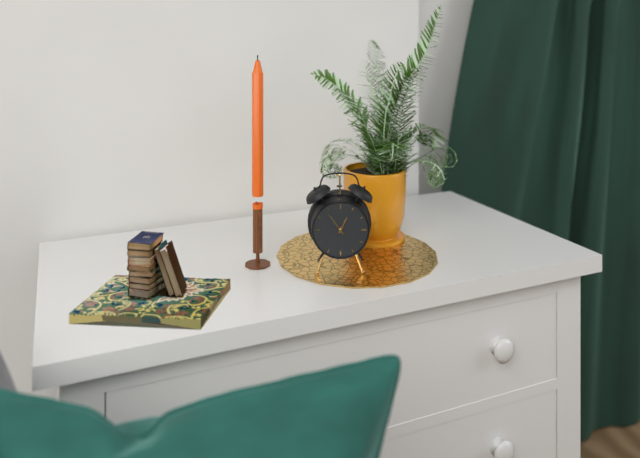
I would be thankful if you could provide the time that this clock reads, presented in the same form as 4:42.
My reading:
12:54
